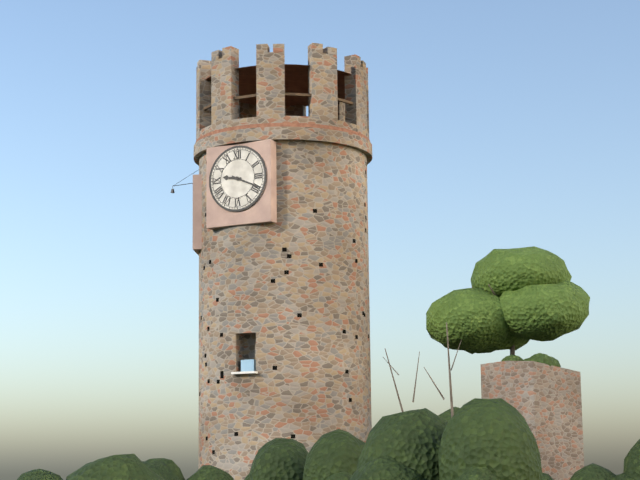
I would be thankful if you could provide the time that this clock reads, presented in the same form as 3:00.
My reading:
9:19
